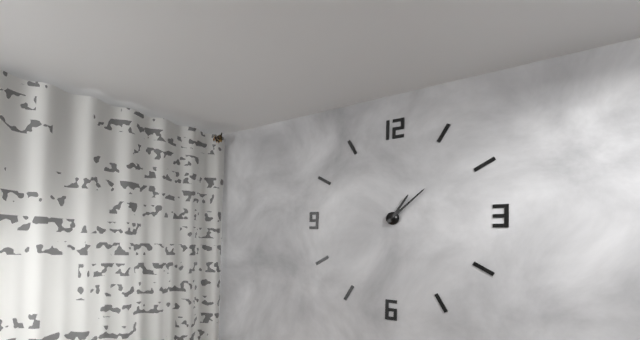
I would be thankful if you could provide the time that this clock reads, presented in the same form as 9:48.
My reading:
1:08
